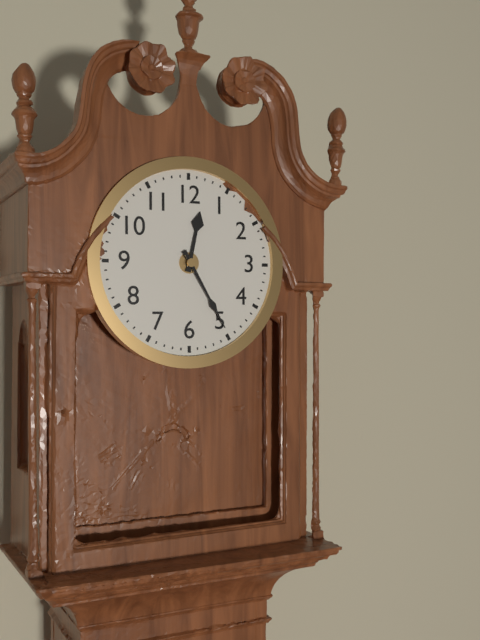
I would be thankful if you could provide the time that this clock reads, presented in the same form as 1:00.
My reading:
12:25
